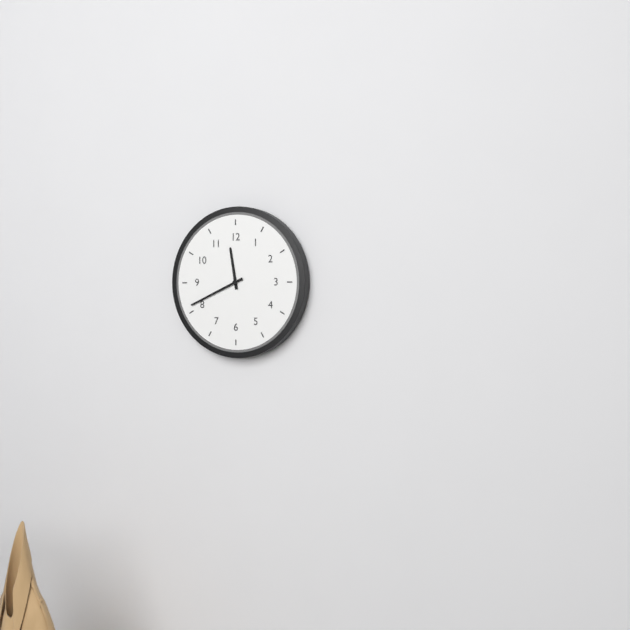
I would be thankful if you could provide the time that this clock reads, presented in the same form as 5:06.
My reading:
11:41
